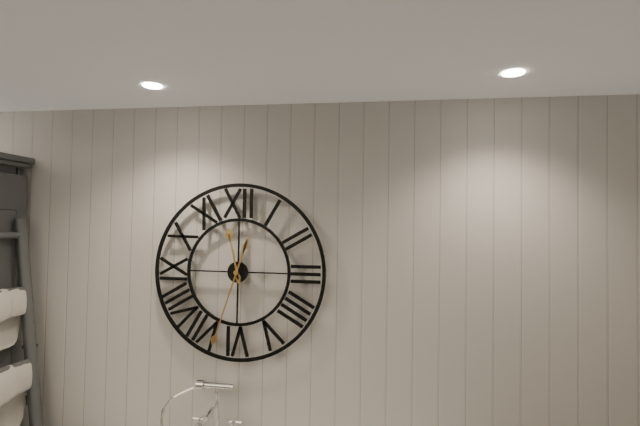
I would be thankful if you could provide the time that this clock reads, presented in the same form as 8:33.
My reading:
11:33
